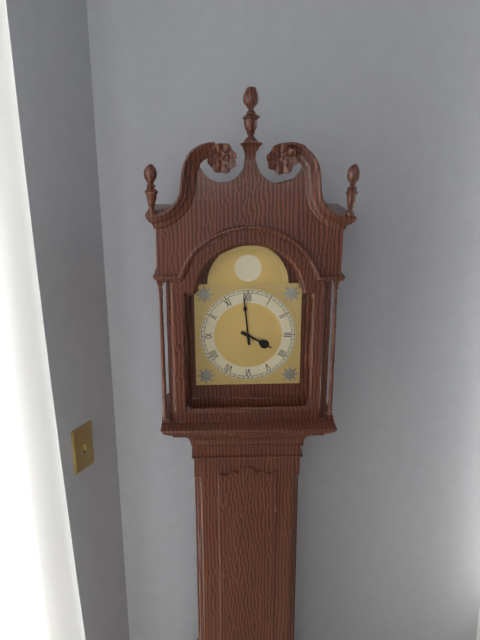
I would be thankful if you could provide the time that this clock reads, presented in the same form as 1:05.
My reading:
3:59
